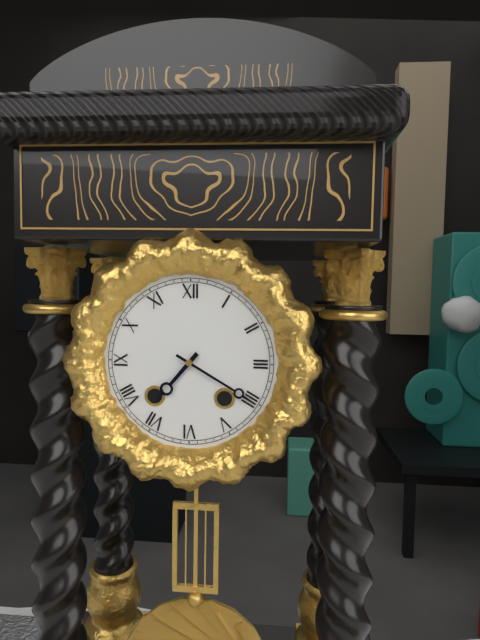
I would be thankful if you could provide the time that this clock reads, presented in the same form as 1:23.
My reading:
7:20
